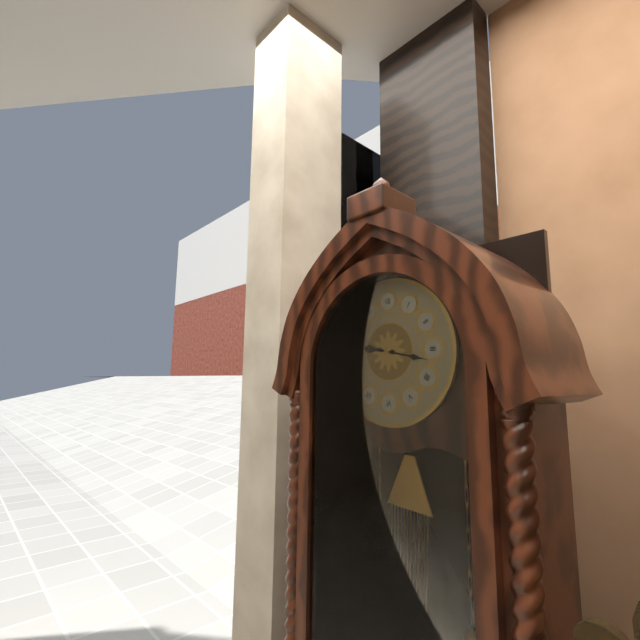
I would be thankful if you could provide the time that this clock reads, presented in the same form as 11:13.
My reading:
9:17
